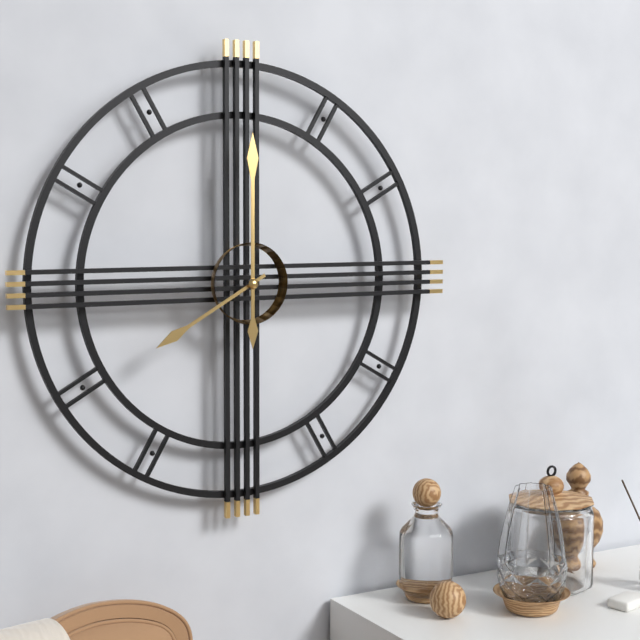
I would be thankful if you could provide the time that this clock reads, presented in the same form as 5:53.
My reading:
8:00
